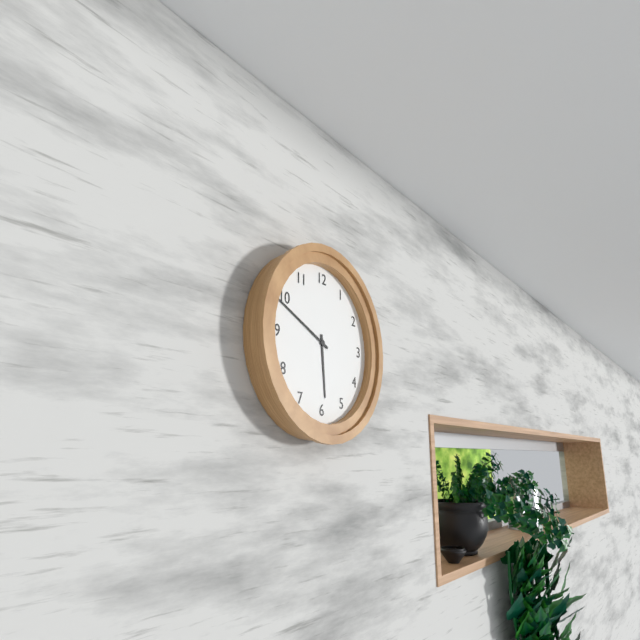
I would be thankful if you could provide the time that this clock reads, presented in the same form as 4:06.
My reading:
5:49
